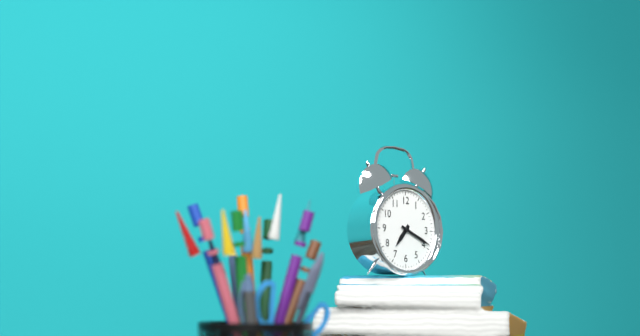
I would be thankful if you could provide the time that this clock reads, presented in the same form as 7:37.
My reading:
7:19
